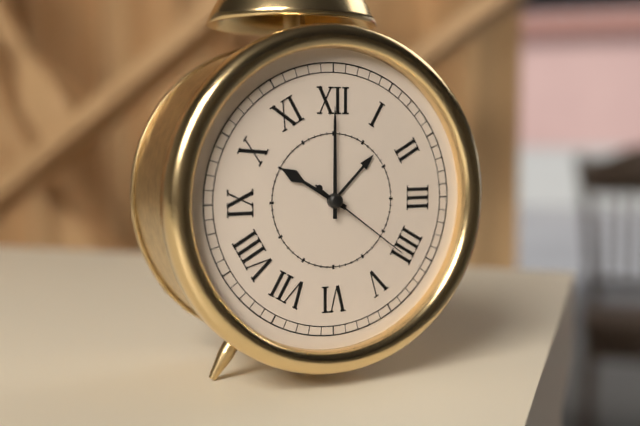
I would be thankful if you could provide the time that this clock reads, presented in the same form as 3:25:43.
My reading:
10:00:21
